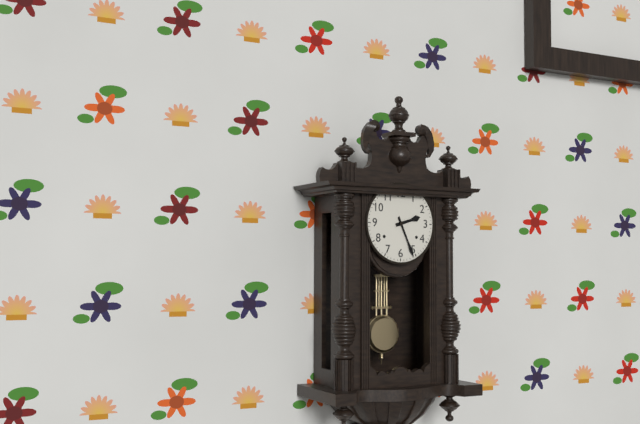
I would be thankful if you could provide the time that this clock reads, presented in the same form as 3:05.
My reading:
2:26
